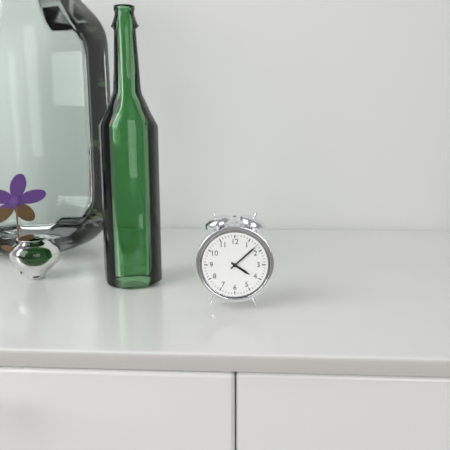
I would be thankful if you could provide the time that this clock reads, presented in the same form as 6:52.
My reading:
4:08
